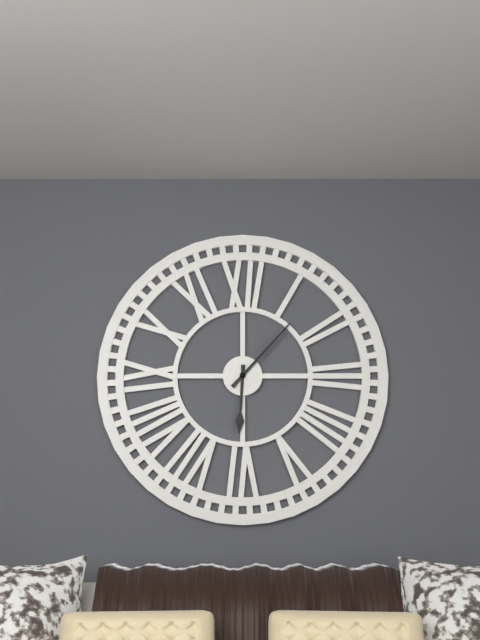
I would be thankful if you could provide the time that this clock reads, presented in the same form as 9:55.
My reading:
6:07
